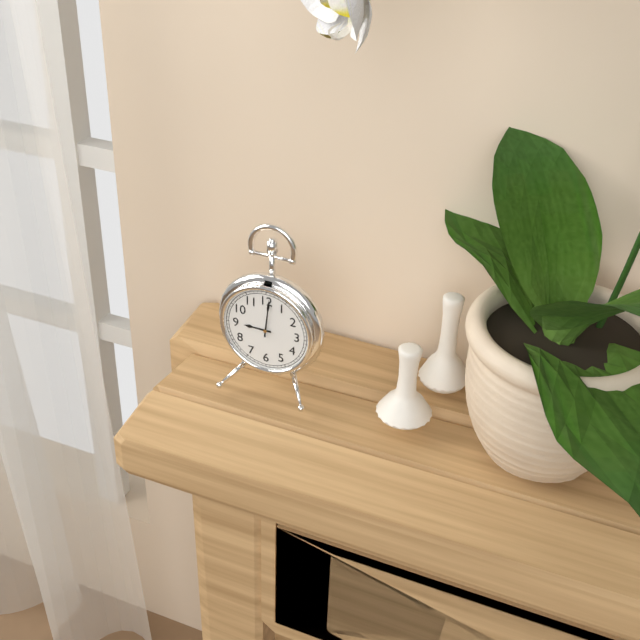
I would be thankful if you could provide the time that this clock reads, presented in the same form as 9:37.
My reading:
9:01
